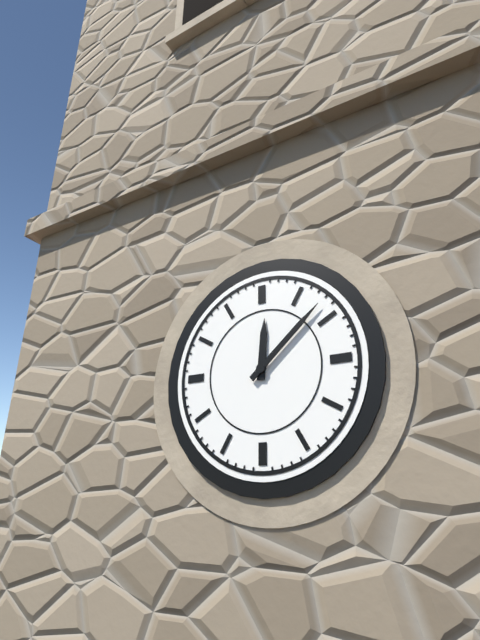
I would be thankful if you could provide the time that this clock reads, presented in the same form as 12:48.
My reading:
12:08
